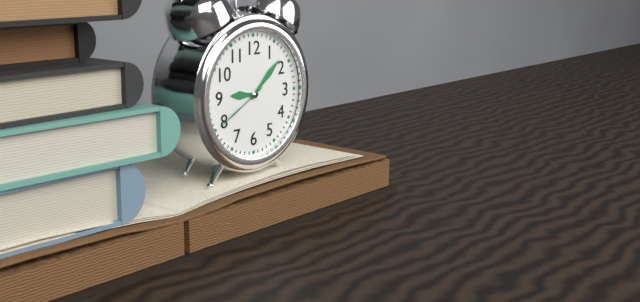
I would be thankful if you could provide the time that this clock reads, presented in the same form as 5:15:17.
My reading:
9:08:40
